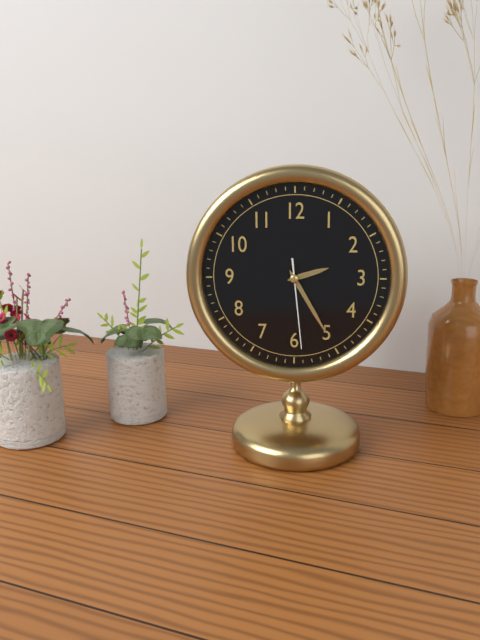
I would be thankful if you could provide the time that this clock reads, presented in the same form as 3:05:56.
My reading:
2:25:29
